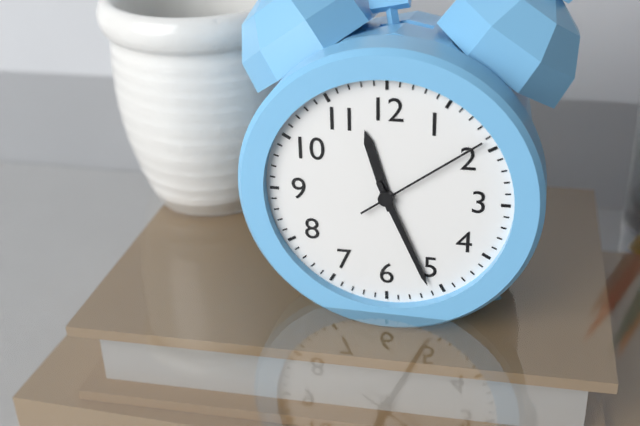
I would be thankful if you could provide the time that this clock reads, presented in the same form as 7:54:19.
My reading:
11:26:09
